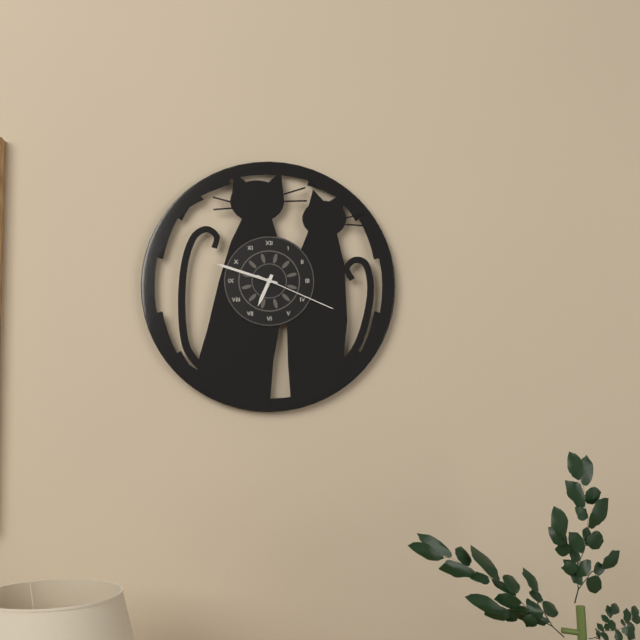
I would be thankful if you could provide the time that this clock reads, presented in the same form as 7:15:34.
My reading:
6:48:19
